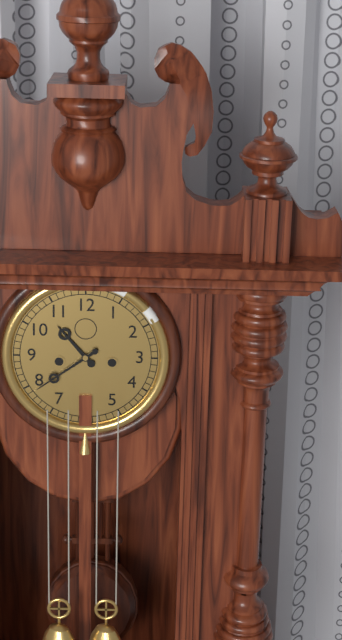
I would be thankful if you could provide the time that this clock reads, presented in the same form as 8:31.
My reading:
10:39
